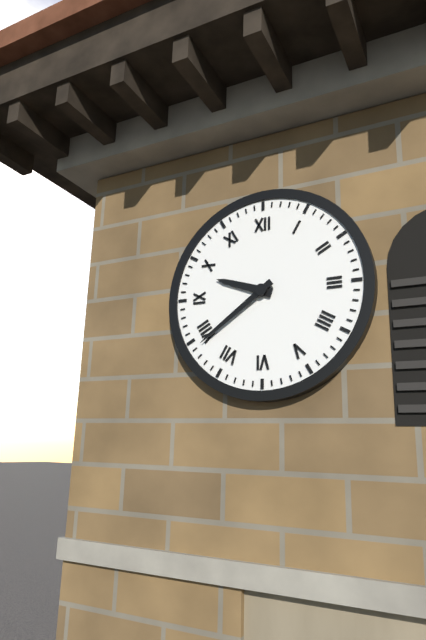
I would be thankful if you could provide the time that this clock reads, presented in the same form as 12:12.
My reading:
9:39
